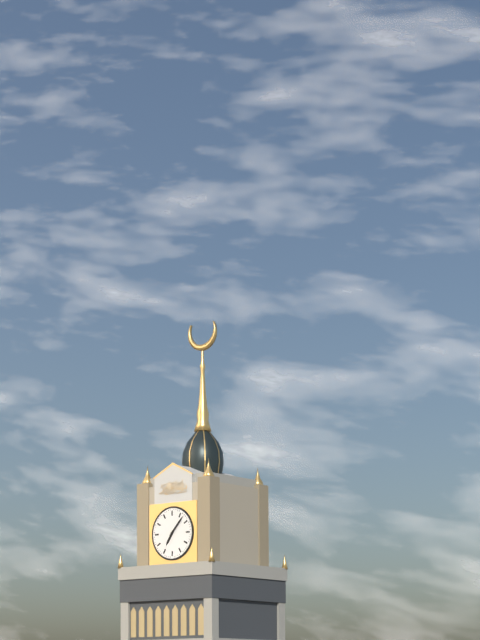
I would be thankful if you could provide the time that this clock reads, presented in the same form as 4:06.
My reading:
7:07
